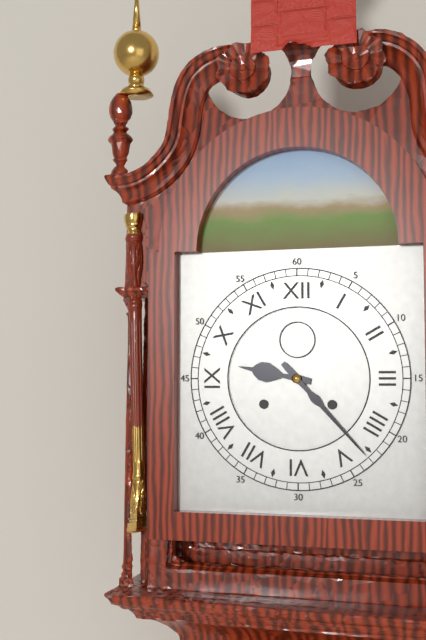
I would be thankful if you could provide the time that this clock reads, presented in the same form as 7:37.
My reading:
9:23
